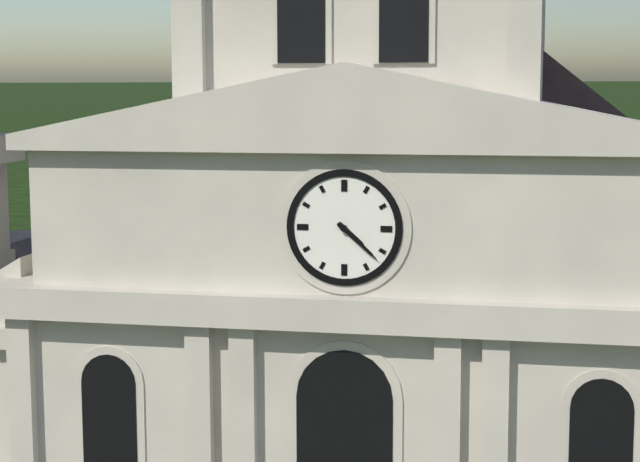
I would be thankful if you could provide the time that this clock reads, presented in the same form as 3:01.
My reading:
4:22
